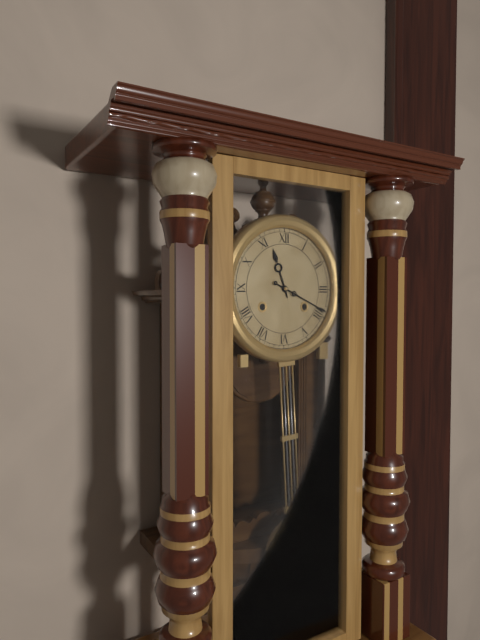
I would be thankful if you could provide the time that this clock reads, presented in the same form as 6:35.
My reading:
11:19
